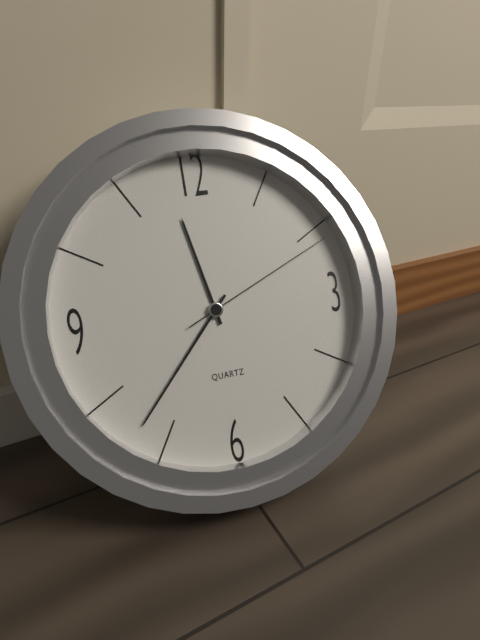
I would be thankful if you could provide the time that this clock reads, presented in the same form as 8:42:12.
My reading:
11:37:11
